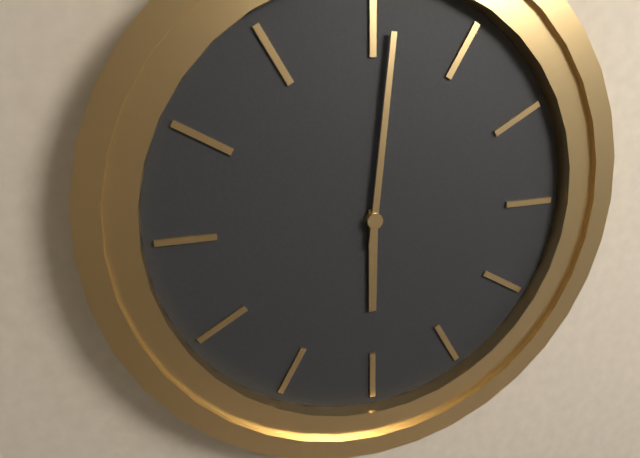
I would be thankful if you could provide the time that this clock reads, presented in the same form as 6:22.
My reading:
6:01
